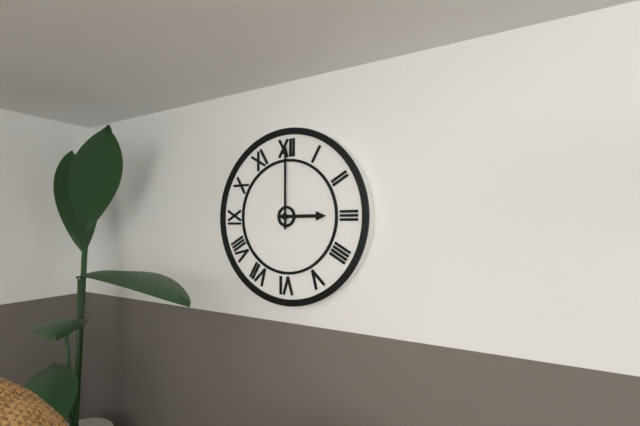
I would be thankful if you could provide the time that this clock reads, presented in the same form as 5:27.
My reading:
3:00
